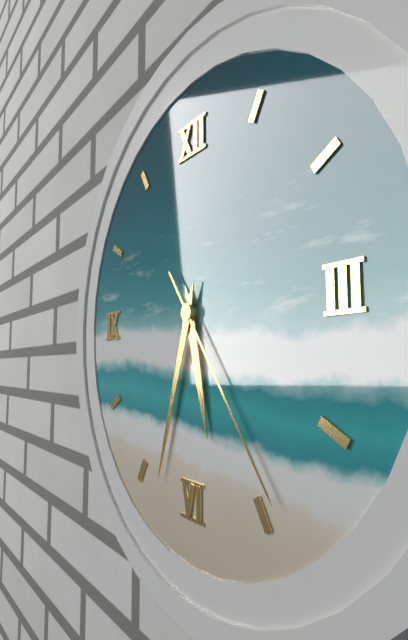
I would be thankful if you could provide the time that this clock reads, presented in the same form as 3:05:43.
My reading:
5:33:24
